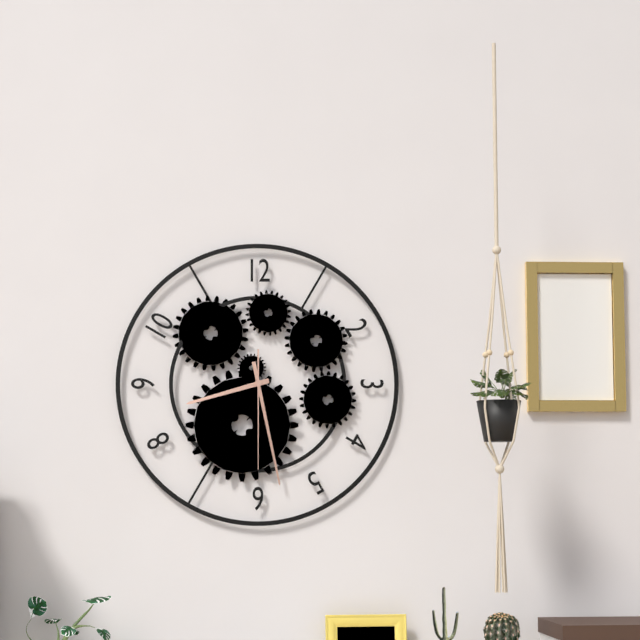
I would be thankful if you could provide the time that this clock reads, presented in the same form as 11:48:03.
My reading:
8:28:30
